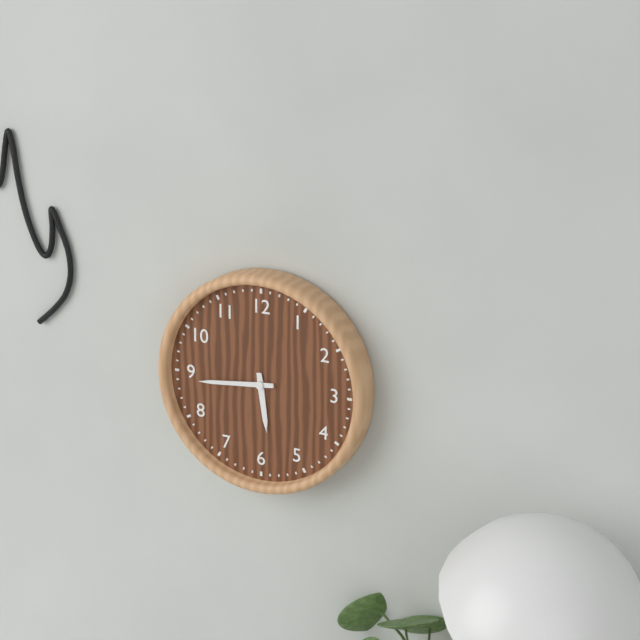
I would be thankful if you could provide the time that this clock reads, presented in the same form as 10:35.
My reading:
5:44
